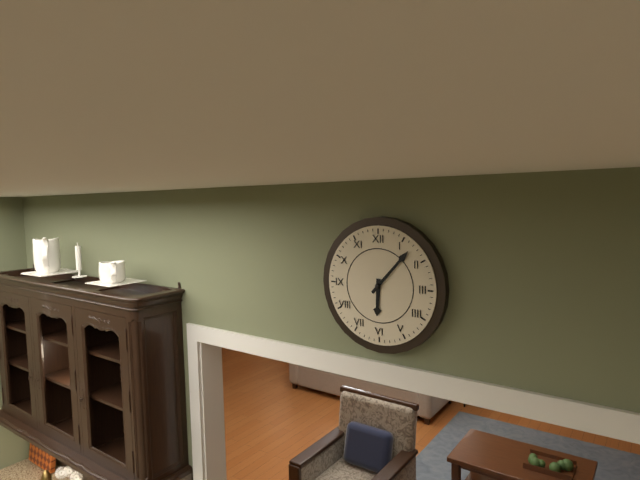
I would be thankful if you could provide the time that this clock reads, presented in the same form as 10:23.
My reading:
6:07
